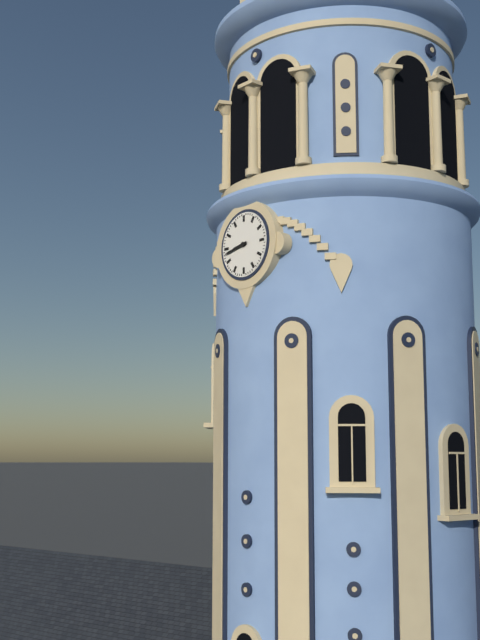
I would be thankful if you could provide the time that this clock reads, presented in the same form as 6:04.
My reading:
8:43
